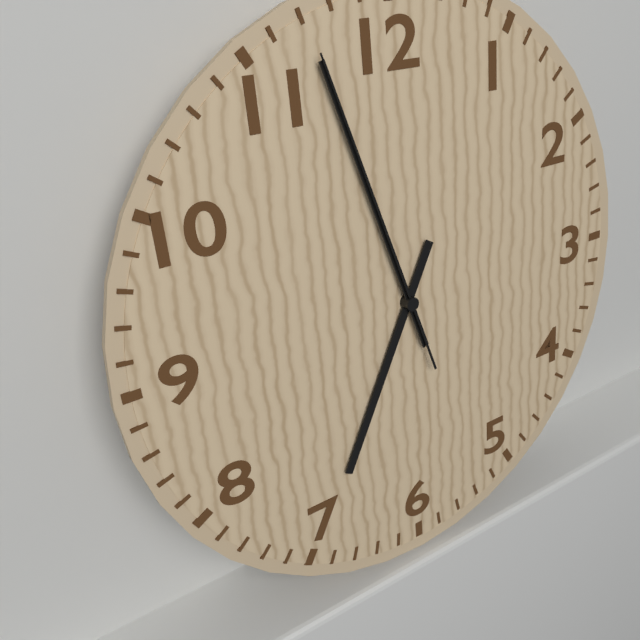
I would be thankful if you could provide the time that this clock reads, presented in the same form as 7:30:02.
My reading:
6:57:57
